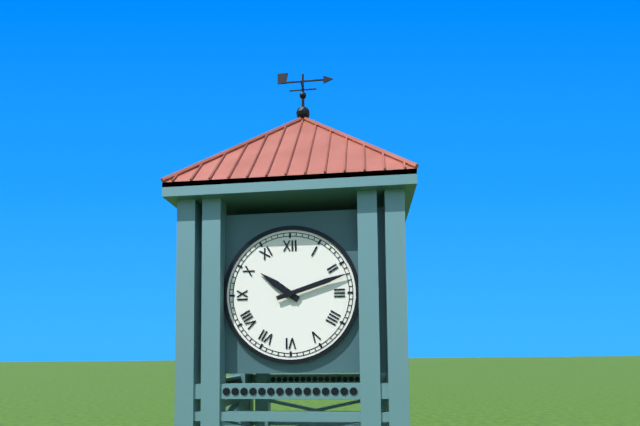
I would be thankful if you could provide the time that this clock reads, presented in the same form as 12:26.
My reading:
10:12
